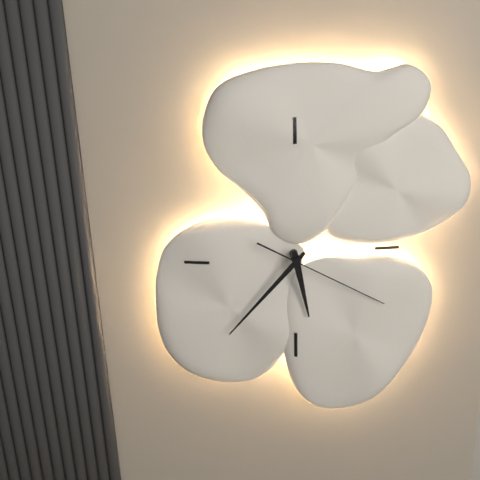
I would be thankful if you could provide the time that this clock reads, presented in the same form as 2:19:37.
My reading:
5:37:20
